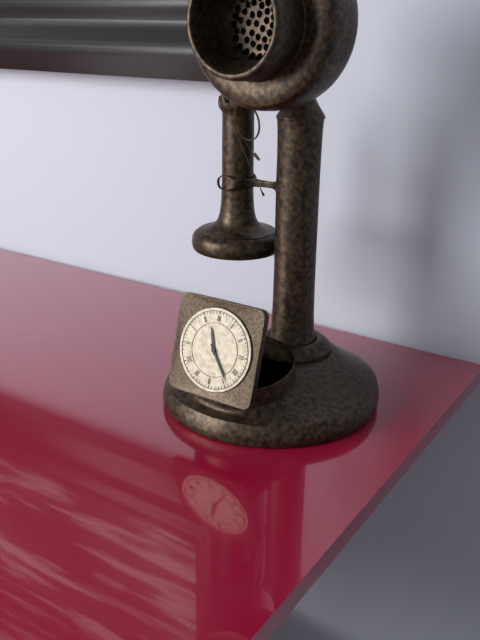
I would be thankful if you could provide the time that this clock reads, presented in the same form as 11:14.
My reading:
11:24
